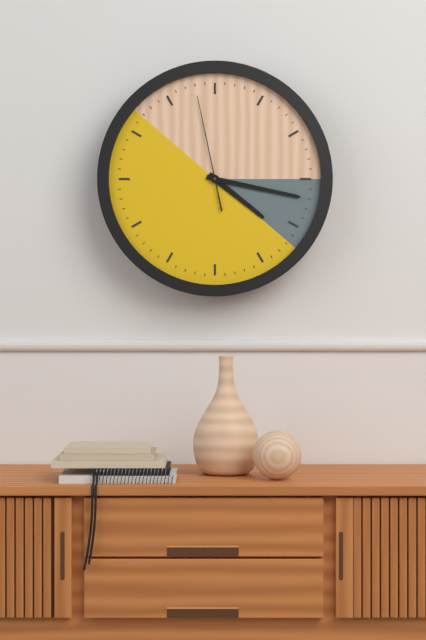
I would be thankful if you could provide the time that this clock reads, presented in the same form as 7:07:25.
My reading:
4:17:58
